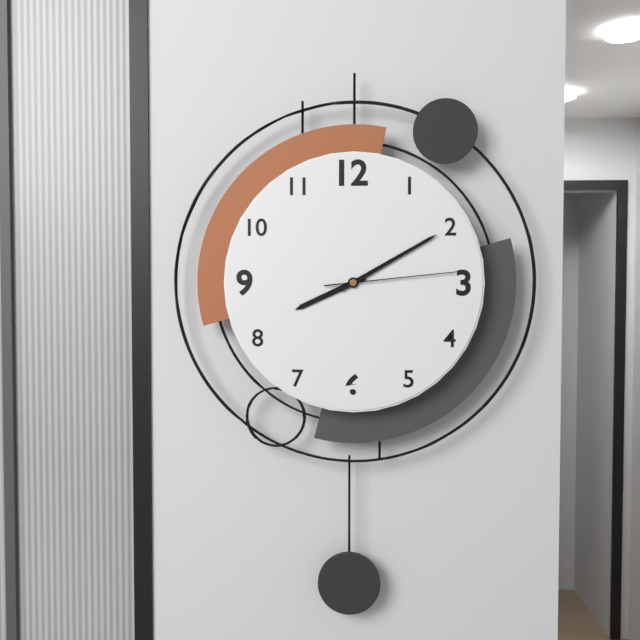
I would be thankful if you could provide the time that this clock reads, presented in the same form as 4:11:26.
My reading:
8:10:14
